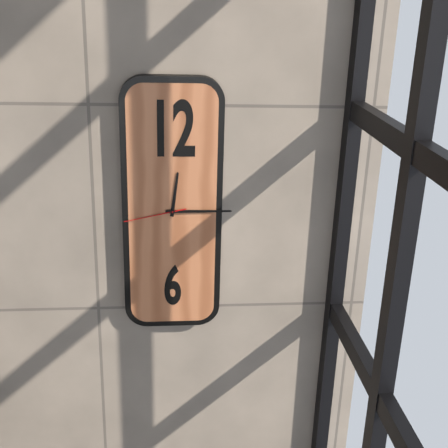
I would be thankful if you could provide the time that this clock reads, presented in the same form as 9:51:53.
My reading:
12:15:43
